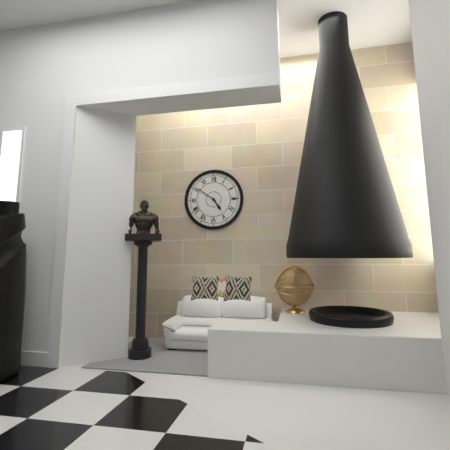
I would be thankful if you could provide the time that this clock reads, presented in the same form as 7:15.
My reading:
4:51
